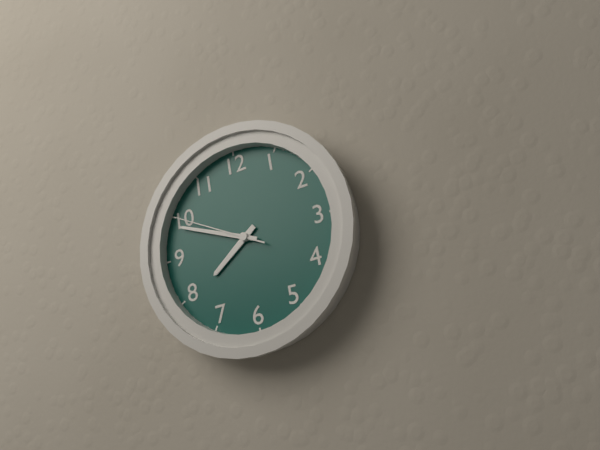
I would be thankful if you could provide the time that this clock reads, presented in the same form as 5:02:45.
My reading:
7:49:50
